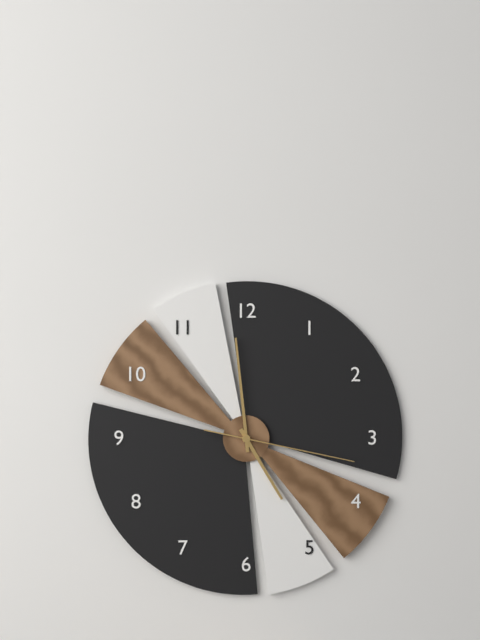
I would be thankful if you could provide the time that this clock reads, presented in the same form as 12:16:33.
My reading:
4:59:17
